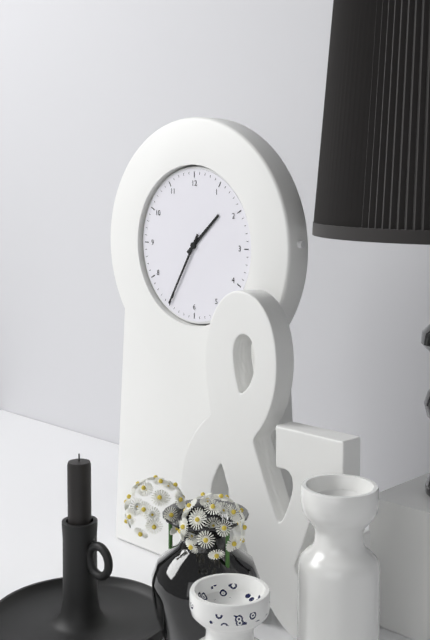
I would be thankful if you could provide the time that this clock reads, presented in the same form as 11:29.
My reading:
1:35
